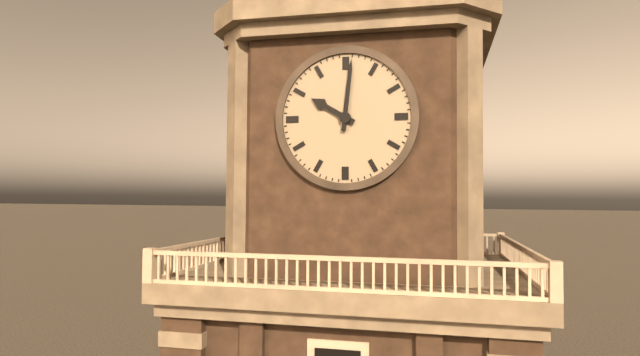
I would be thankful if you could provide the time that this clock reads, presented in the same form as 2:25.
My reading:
10:01
